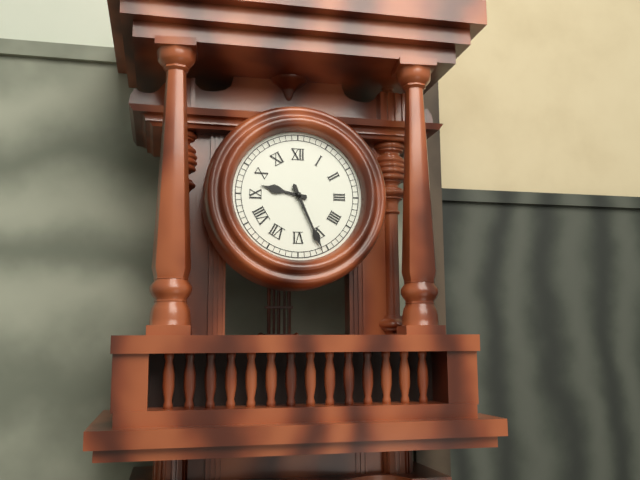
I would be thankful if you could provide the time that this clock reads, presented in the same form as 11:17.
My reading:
9:26
